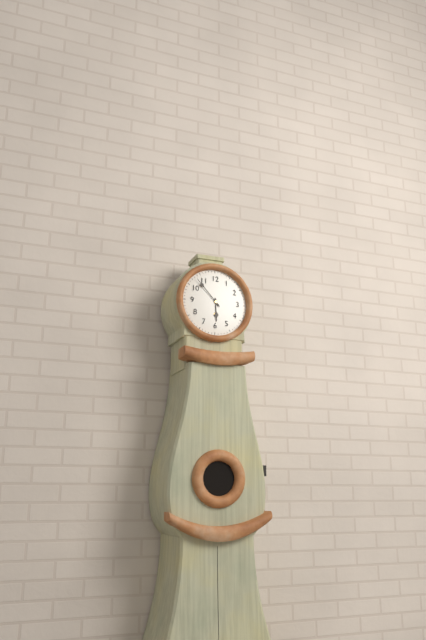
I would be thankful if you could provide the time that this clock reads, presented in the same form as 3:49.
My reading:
5:53
